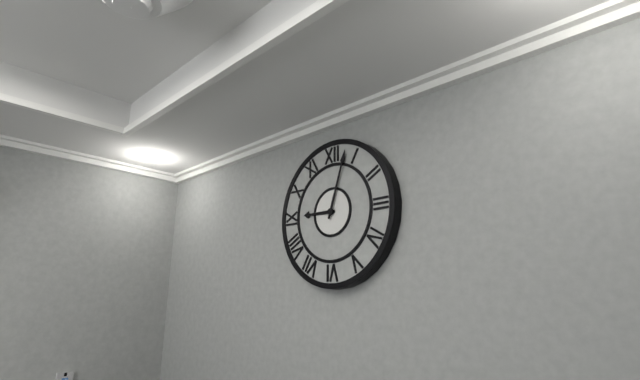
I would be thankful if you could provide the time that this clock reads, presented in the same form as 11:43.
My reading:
9:03
